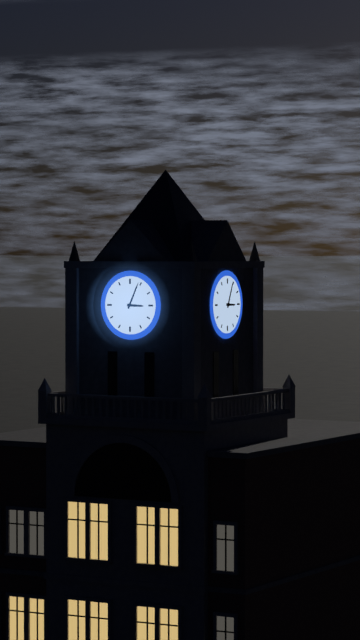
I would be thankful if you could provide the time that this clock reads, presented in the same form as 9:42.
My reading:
3:04
